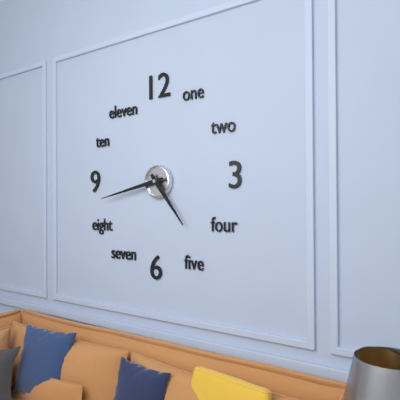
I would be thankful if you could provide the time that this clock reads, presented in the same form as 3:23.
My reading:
4:43
